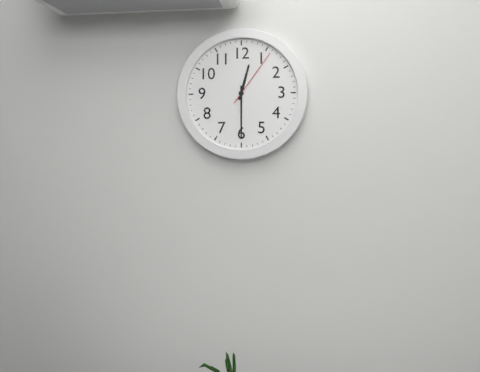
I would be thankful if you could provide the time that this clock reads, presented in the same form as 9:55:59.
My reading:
12:30:06
